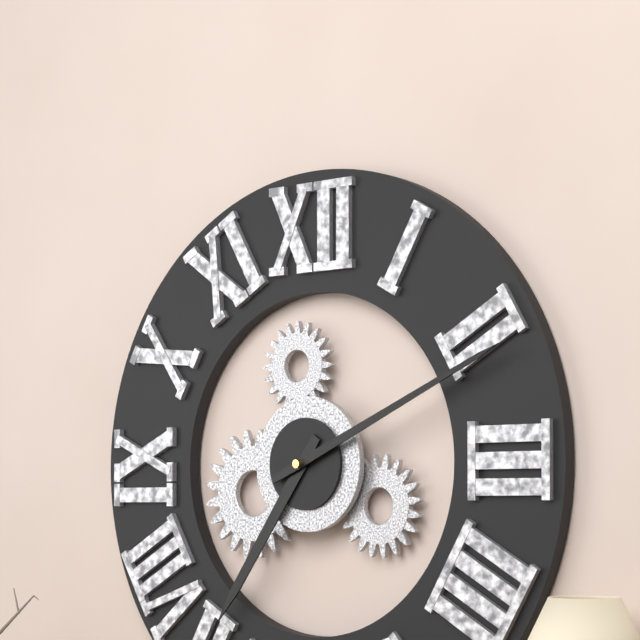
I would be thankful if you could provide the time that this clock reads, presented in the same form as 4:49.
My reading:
7:11
